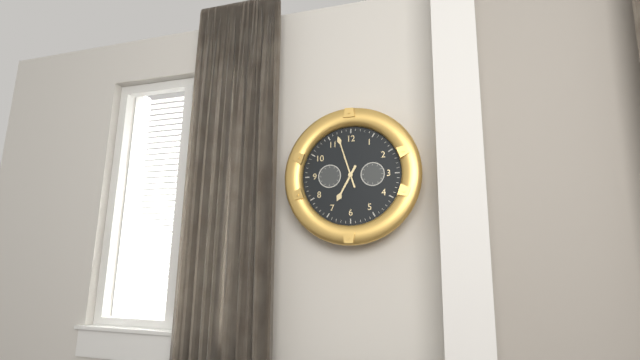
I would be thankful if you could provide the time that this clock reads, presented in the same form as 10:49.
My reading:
6:57
